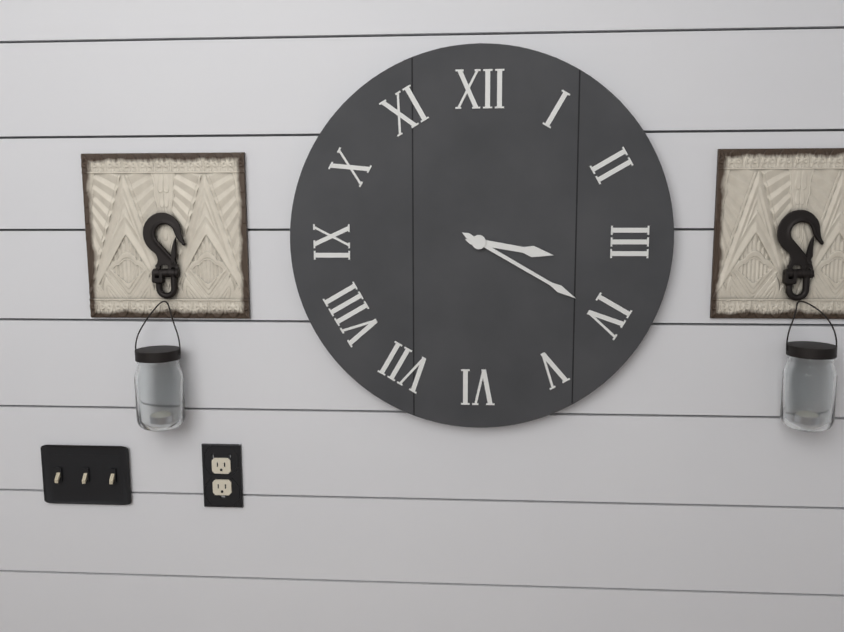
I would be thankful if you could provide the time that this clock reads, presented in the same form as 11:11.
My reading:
3:20
